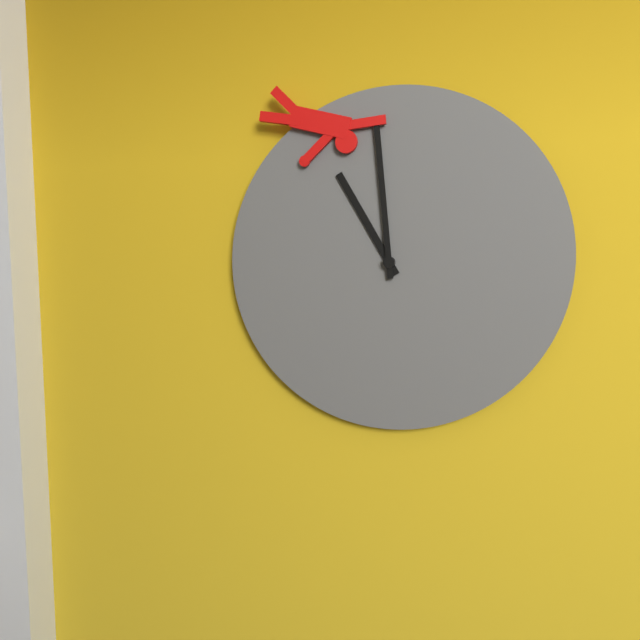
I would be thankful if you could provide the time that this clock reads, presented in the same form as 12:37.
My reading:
10:59
